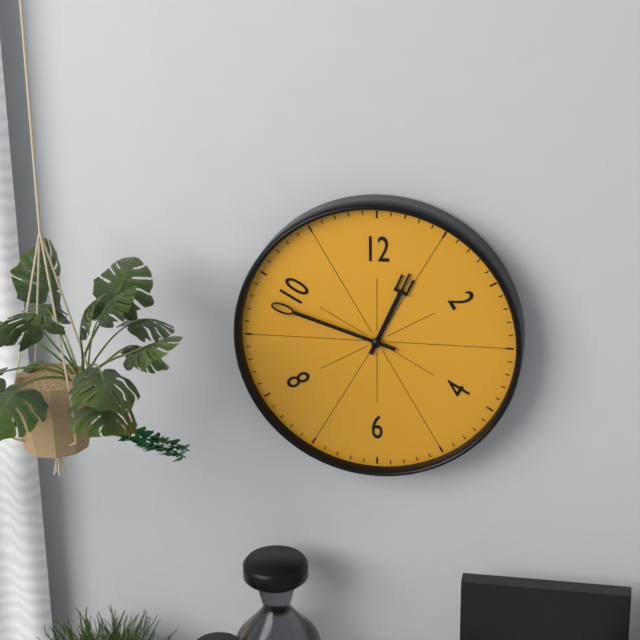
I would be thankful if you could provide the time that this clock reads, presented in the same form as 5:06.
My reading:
12:48
